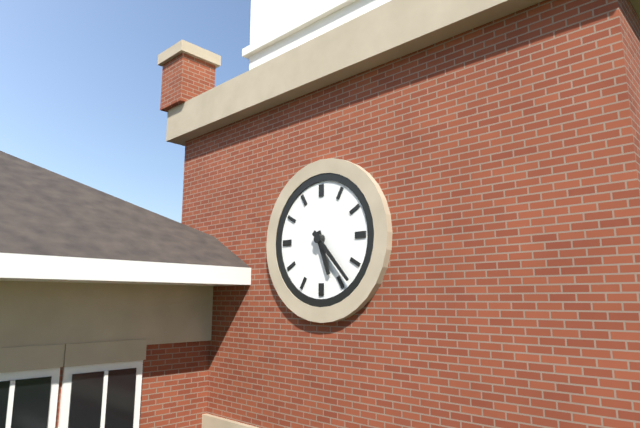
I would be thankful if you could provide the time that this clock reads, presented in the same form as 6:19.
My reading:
5:23
